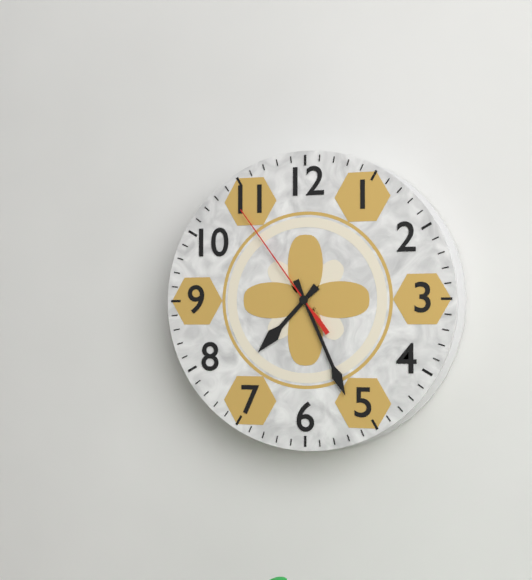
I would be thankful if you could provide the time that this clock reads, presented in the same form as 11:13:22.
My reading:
7:26:54
